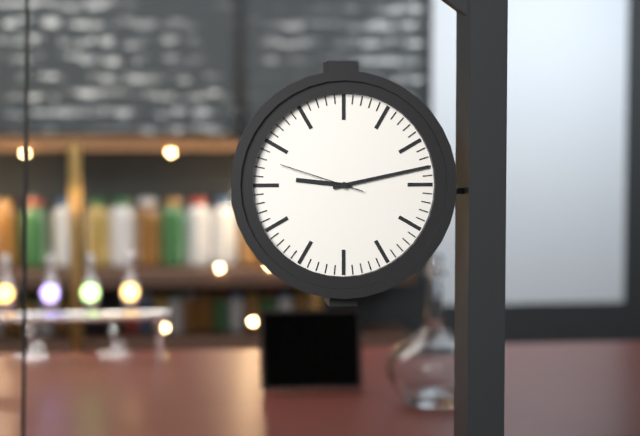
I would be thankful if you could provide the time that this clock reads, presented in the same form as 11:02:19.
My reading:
9:13:48
